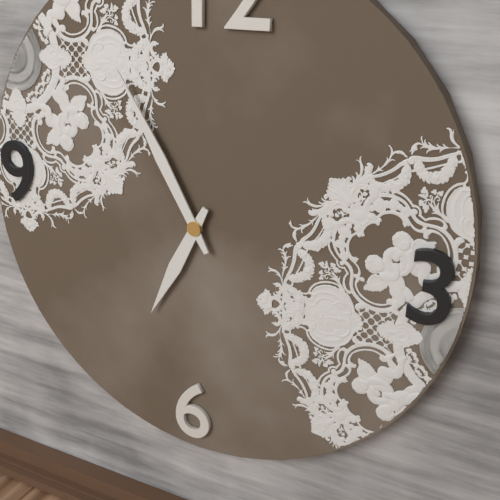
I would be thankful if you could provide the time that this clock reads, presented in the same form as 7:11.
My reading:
6:55
